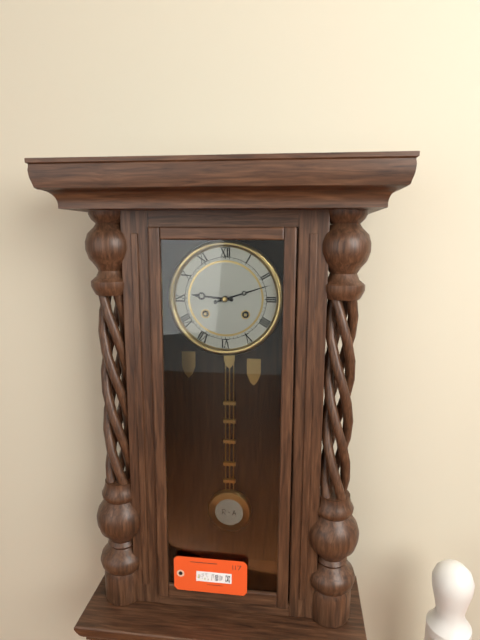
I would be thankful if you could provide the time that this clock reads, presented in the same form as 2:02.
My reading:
9:12
